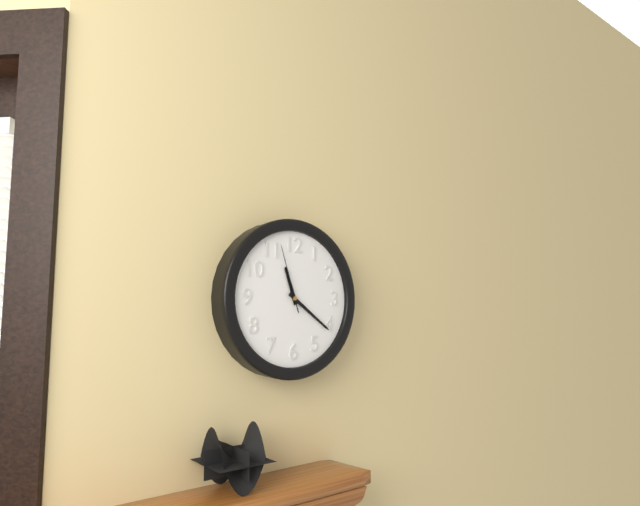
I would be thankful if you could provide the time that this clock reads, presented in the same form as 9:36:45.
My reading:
11:21:57
